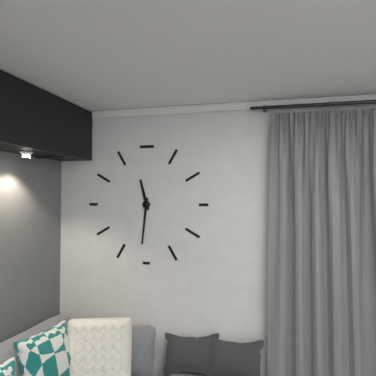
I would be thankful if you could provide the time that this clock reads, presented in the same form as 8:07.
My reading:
11:31
